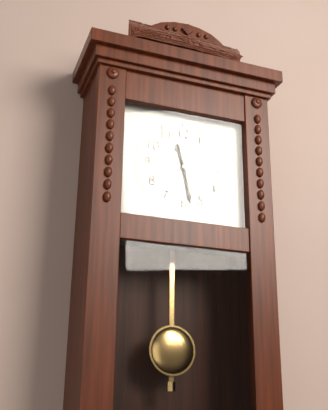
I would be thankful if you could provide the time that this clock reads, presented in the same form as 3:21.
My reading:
11:28
